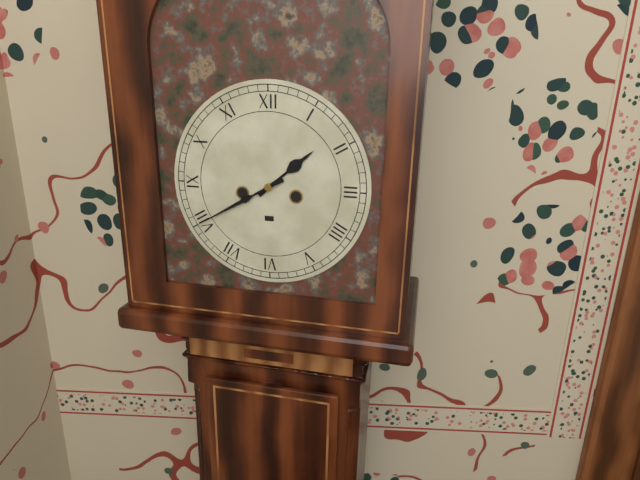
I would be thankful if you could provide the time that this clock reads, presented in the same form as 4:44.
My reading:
1:40
